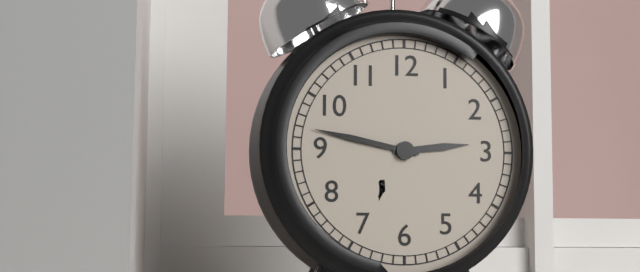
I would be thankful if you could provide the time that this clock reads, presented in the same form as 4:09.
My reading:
2:47
